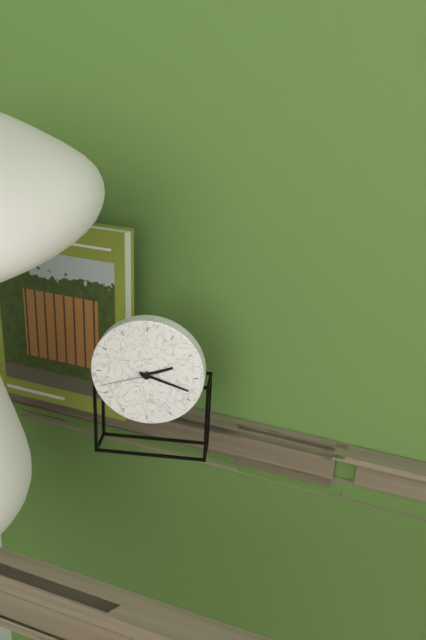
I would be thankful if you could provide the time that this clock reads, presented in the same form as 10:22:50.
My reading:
2:18:42
